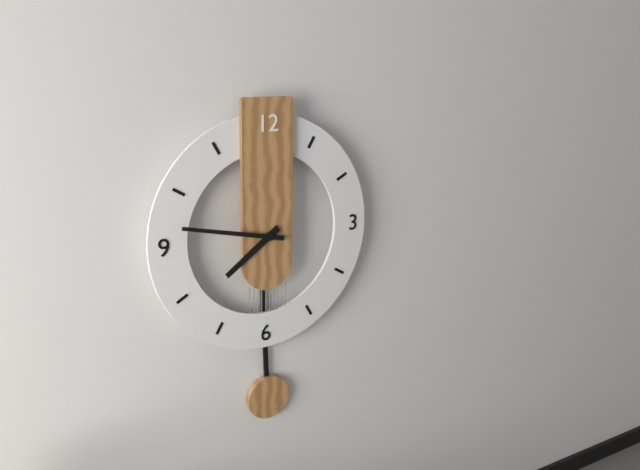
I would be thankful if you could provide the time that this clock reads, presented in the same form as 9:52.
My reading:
7:47
